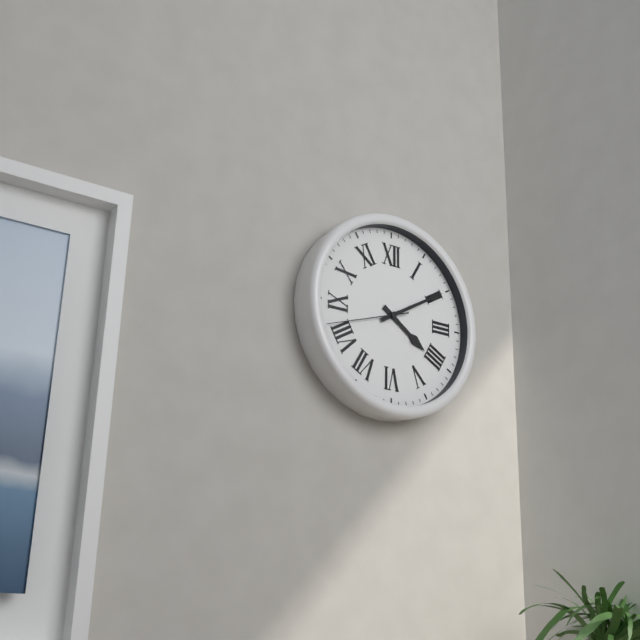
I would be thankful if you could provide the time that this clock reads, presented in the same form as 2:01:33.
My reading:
4:10:42
